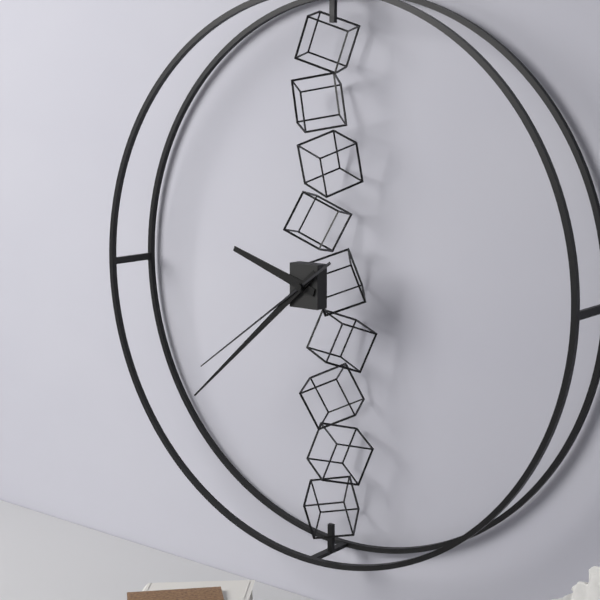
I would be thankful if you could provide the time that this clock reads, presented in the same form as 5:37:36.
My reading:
9:38:39
